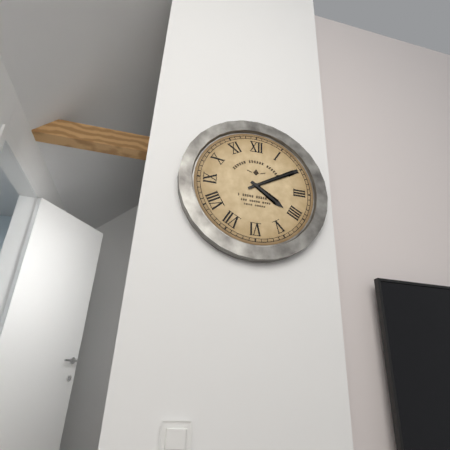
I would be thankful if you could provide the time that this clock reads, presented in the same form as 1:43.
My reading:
4:10
